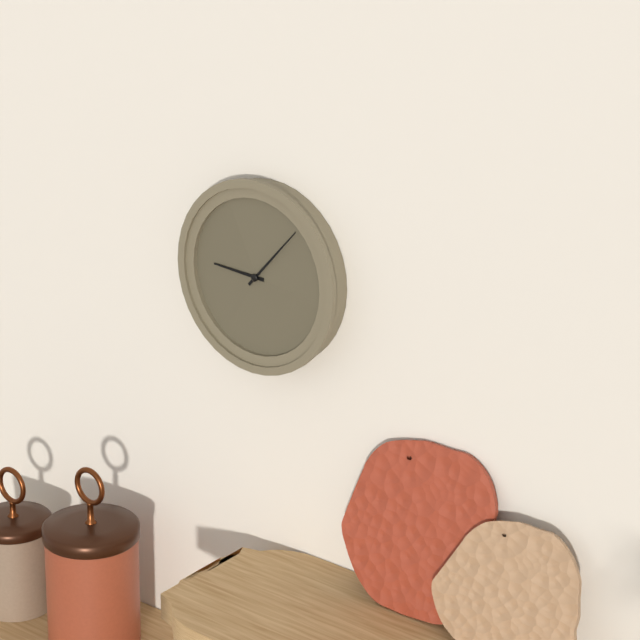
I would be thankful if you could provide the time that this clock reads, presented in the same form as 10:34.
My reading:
9:07
